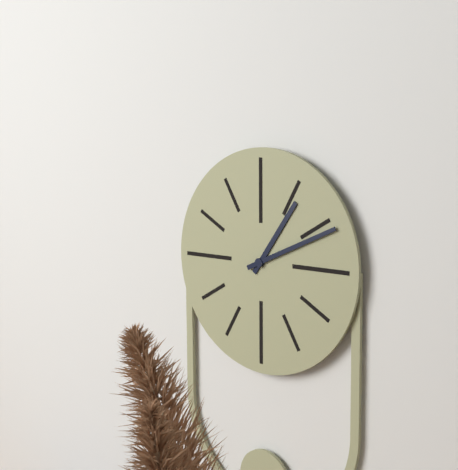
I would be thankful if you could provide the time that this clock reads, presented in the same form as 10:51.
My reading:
1:11
